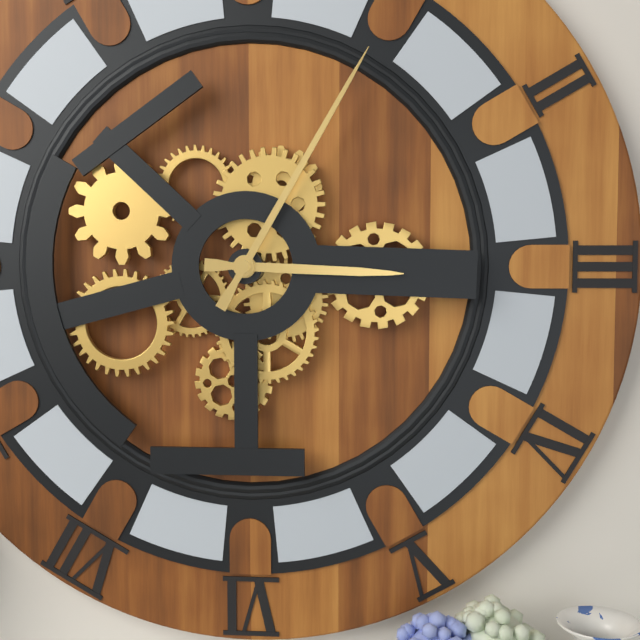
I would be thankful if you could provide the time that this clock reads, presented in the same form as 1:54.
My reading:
3:05
